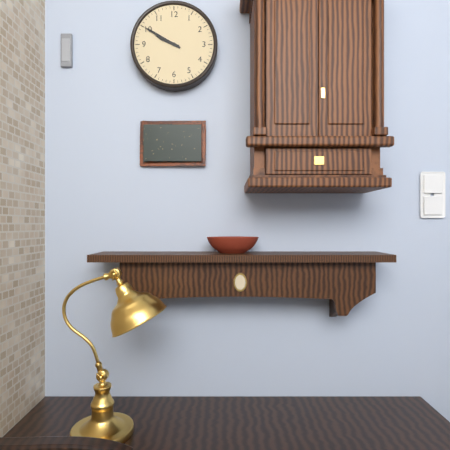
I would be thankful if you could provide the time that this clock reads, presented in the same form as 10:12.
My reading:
9:50
